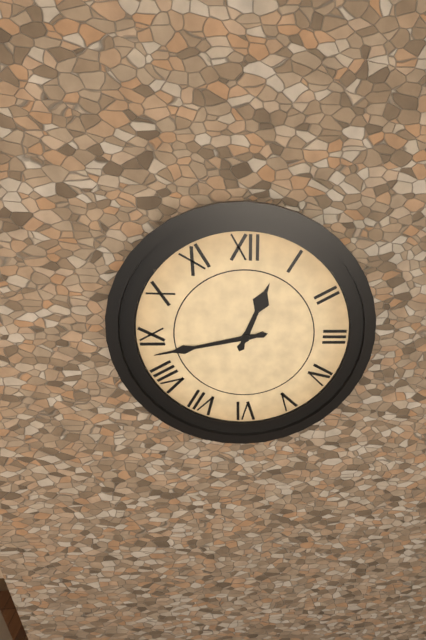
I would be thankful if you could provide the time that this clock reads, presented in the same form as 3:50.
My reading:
12:43
